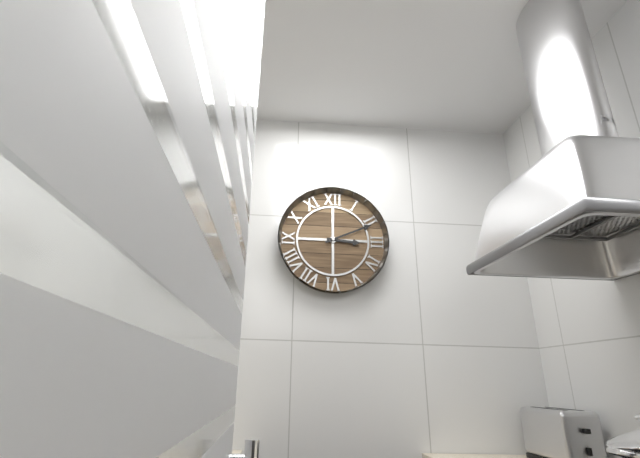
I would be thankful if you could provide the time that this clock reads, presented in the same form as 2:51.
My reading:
3:11
